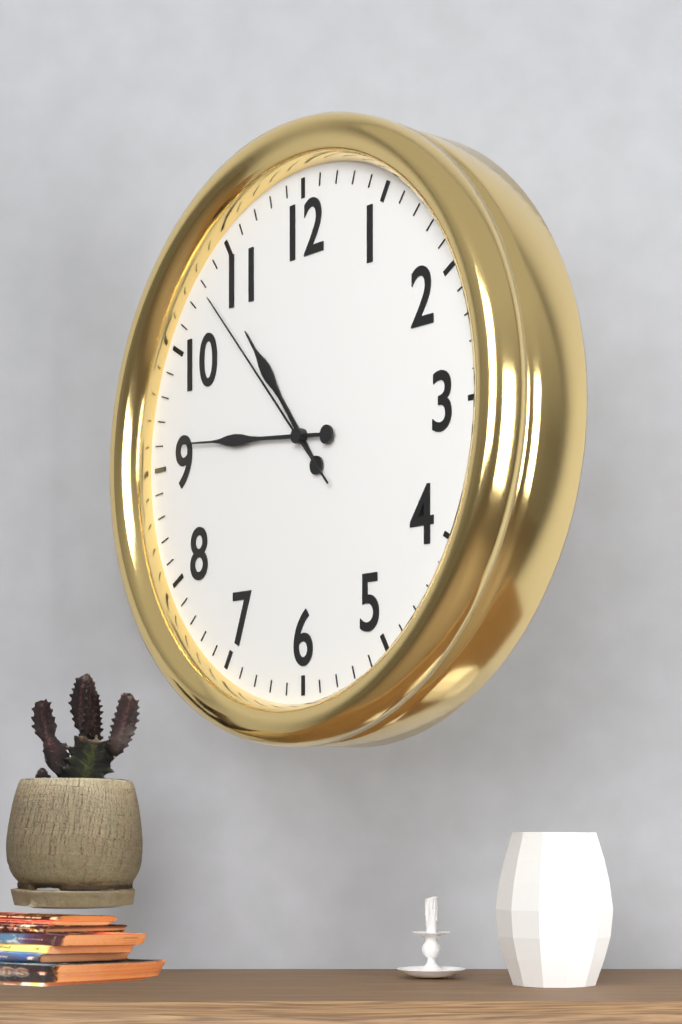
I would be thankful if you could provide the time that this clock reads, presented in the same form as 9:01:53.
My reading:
10:46:53
